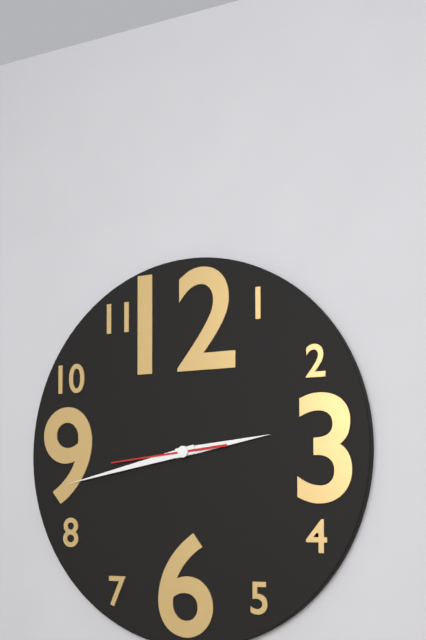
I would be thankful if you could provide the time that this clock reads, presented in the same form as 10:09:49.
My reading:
2:43:44
